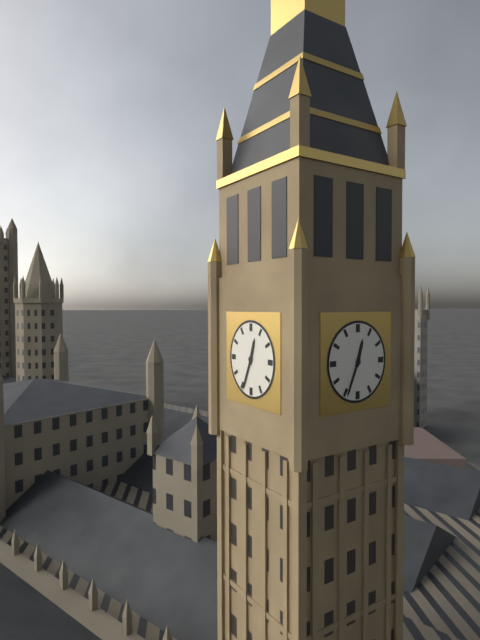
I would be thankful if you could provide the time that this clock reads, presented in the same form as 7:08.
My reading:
12:34
